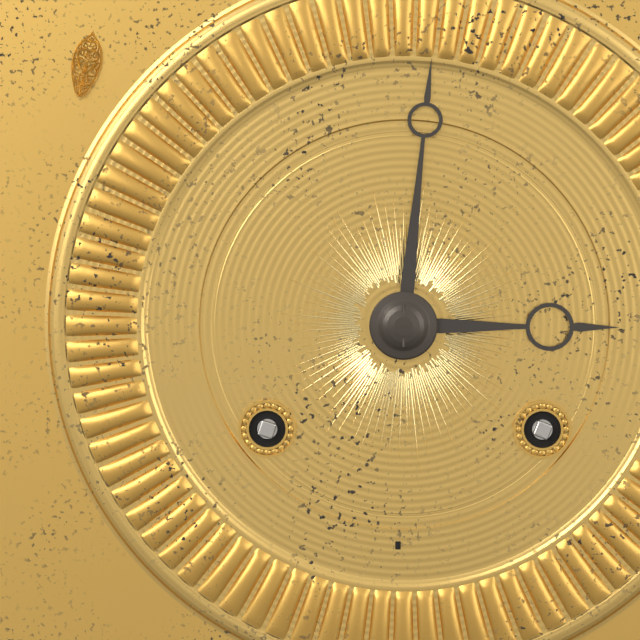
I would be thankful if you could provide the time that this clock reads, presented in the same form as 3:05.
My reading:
3:01
